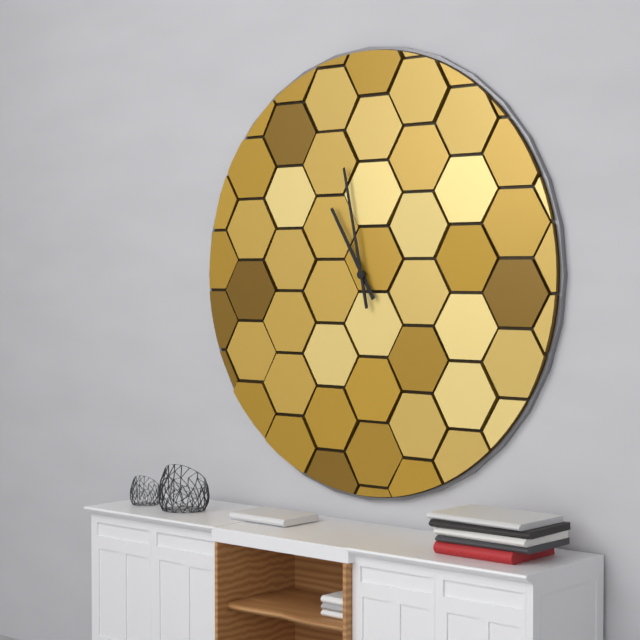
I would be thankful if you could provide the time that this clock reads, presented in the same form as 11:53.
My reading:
10:58
